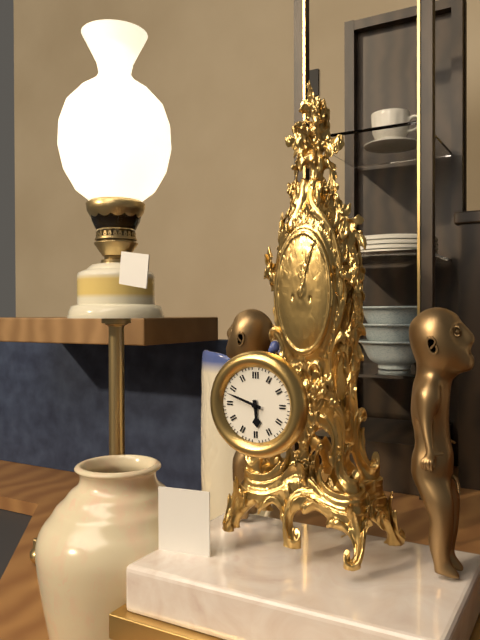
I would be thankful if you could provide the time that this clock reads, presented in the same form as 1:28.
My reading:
5:48
